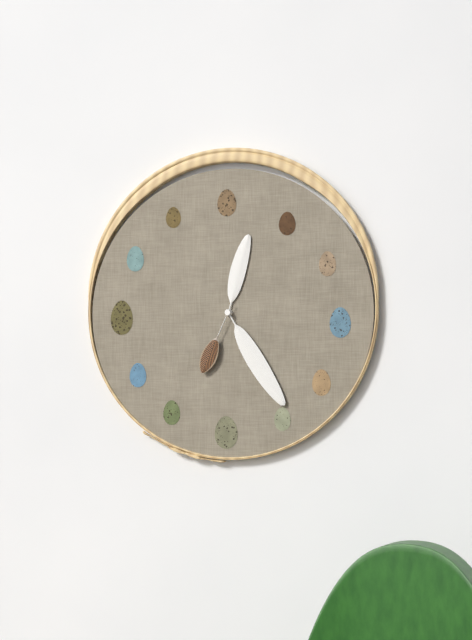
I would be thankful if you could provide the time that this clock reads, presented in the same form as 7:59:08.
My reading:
12:25:34
